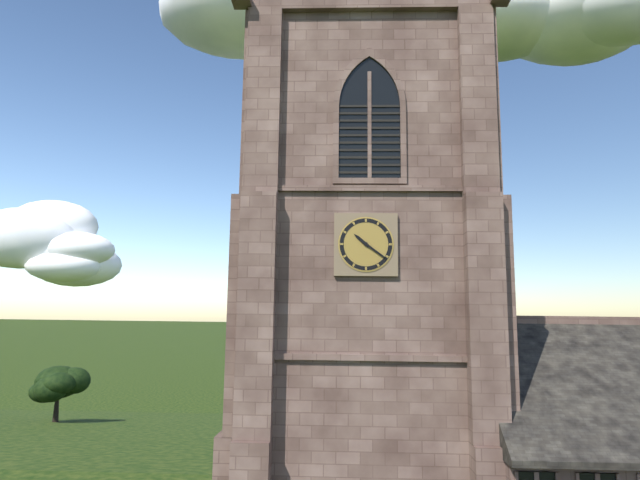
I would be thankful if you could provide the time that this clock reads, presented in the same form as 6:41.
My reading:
10:21
